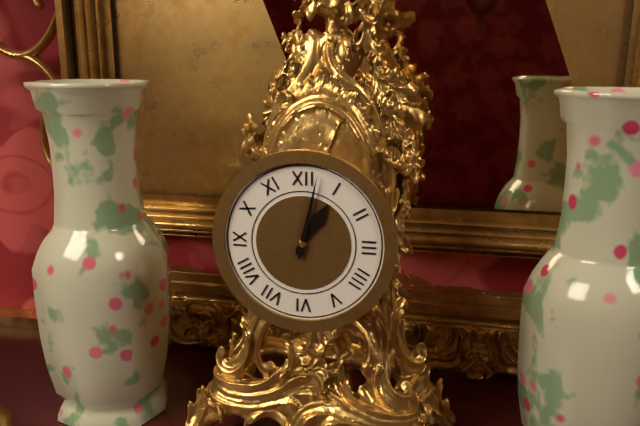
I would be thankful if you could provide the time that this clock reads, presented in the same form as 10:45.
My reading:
1:02
